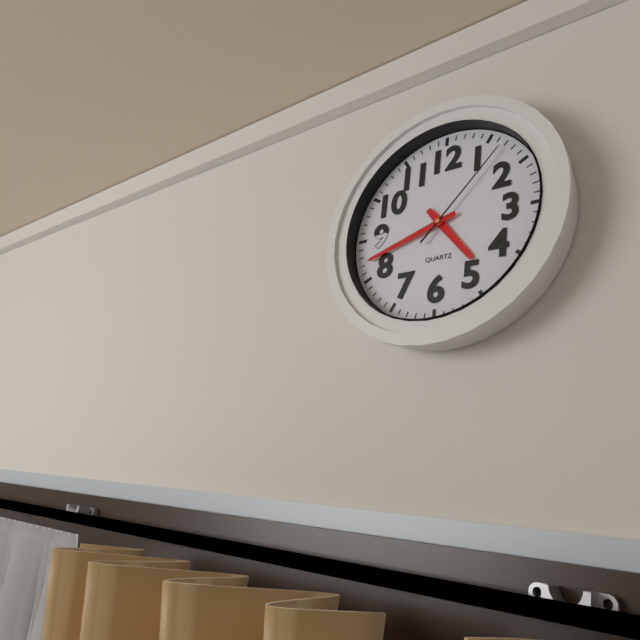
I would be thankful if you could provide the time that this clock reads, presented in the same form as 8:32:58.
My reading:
4:42:07
